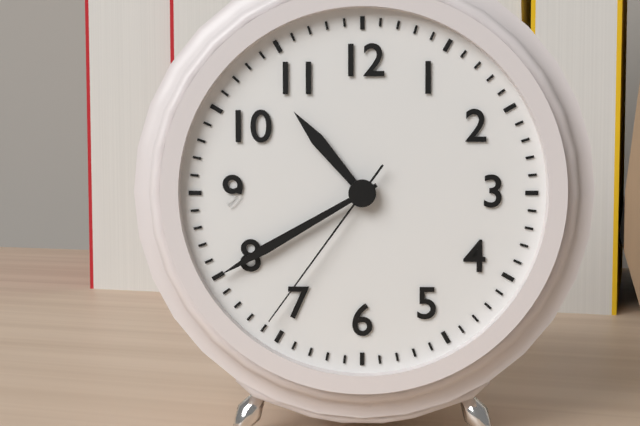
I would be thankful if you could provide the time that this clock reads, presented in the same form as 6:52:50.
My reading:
10:40:36
